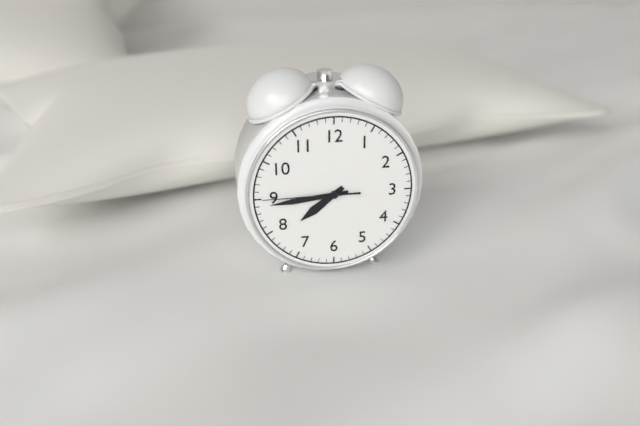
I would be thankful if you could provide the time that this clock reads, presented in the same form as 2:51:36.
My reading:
7:44:45
